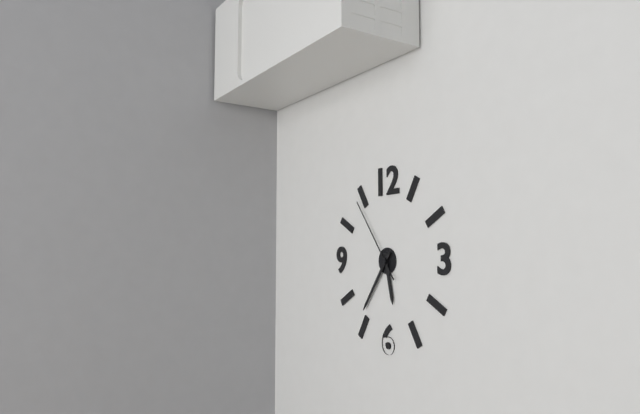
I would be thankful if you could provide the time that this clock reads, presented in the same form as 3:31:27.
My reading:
5:36:54
